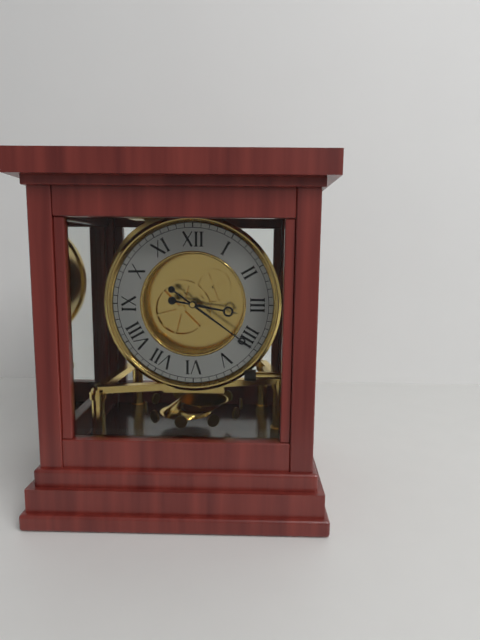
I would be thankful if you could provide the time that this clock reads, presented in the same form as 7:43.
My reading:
3:21
